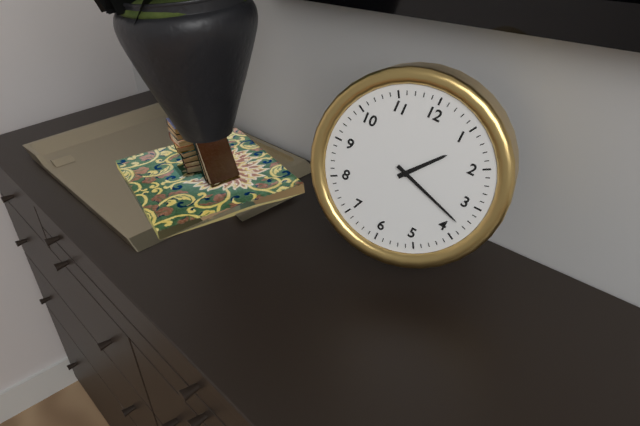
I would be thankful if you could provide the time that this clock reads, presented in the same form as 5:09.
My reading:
1:18
